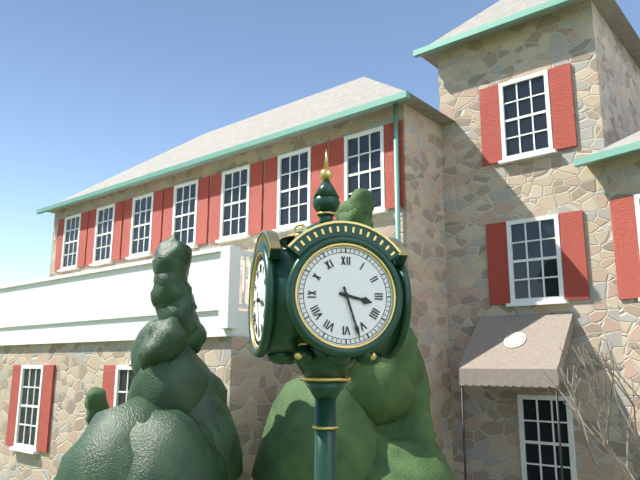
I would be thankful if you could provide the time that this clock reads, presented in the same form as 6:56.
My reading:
3:27
